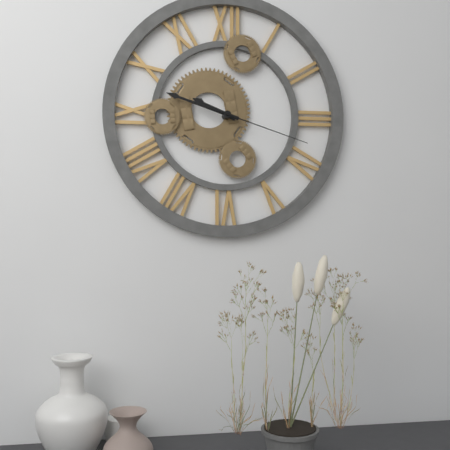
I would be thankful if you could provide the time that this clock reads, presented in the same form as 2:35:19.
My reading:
9:48:18
